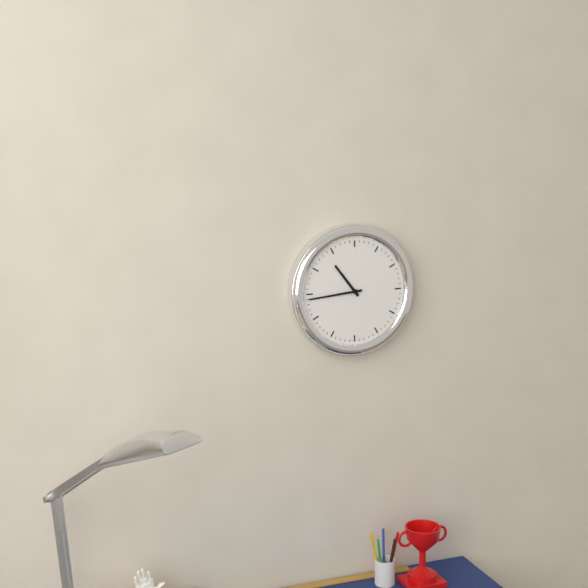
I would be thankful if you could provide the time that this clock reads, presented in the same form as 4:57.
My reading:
10:44
